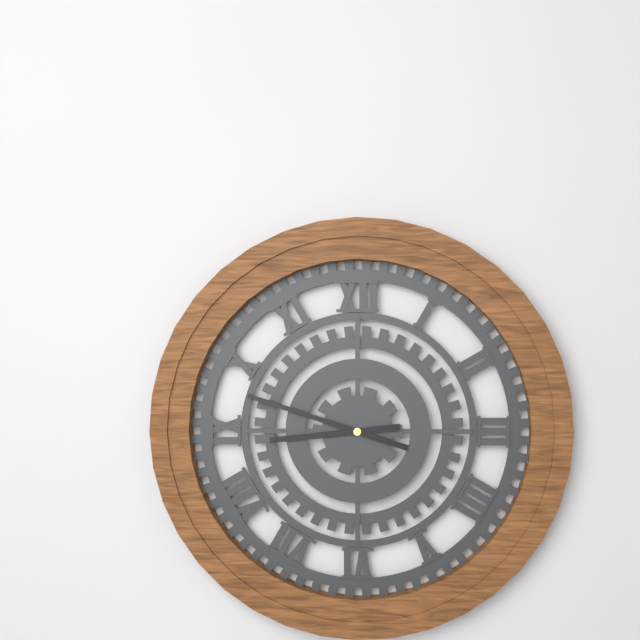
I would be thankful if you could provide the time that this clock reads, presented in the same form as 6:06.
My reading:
8:48
